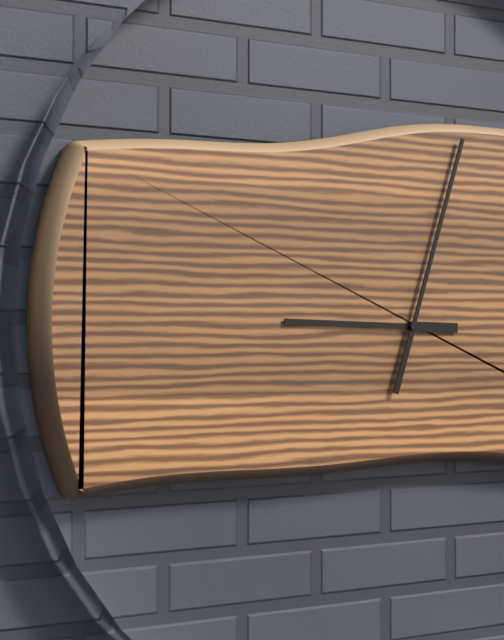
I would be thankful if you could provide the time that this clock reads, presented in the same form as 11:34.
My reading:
9:03
